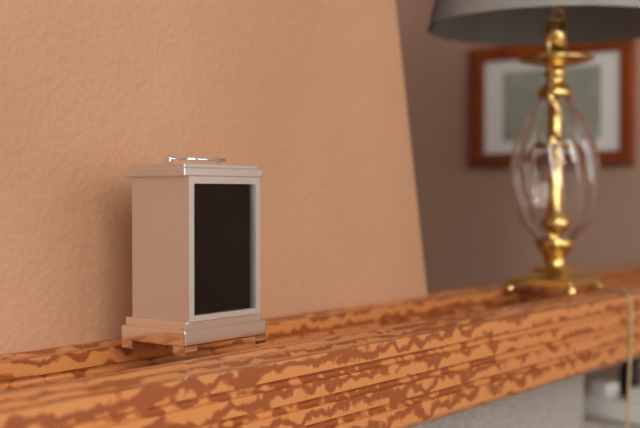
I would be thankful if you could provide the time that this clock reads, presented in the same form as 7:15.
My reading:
11:39
